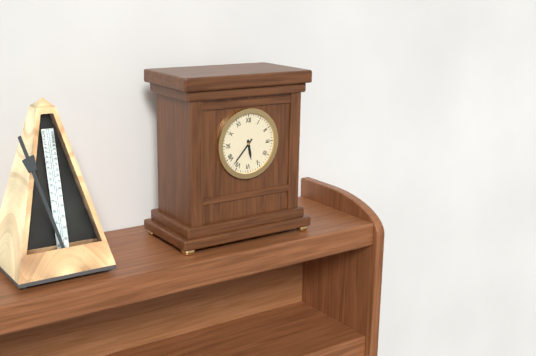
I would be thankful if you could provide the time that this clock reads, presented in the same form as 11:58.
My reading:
5:37
